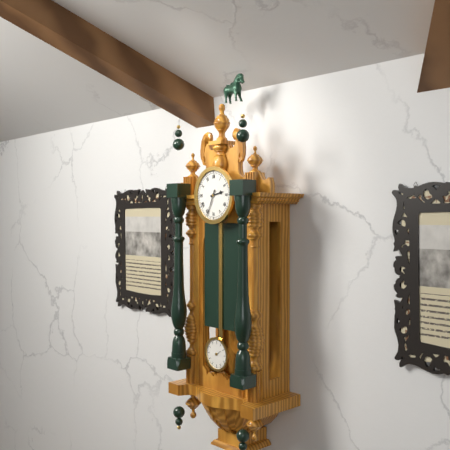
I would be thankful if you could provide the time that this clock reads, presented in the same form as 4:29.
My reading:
2:34
